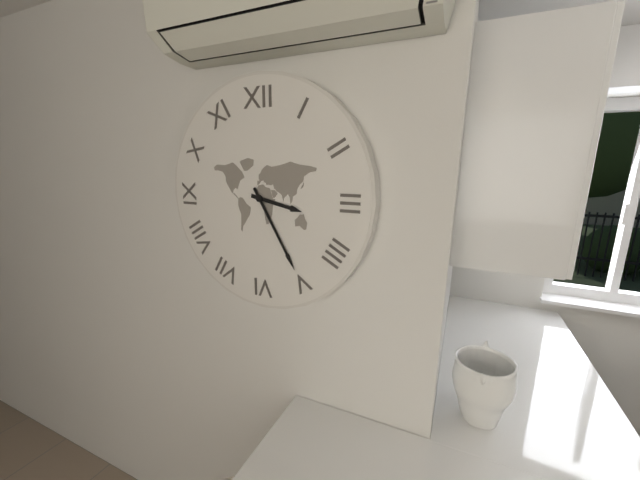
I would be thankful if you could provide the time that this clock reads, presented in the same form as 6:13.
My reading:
3:25
